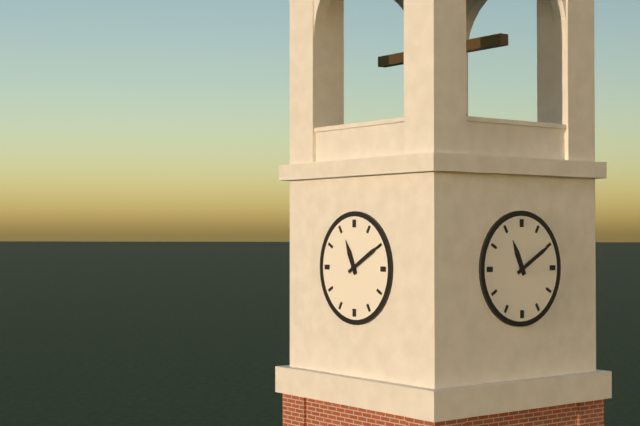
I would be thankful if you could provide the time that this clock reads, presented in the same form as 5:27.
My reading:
11:10
